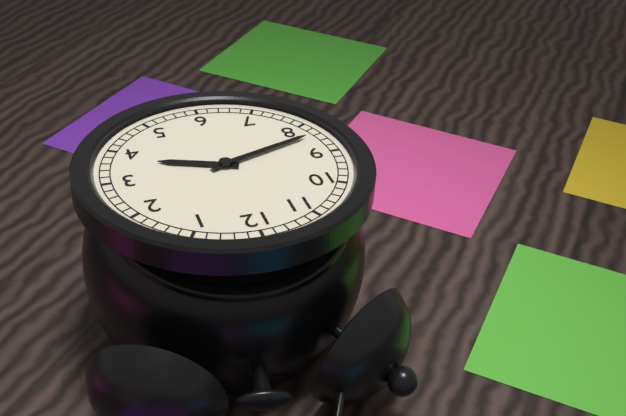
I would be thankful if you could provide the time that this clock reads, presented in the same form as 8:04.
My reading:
3:42
